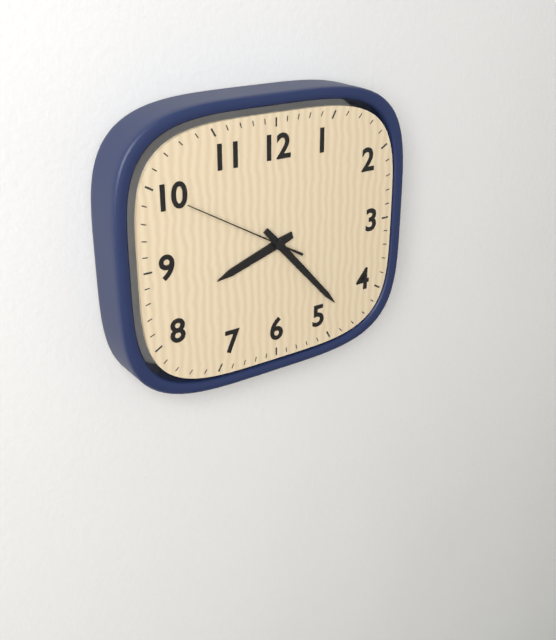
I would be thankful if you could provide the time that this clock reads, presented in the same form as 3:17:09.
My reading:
8:23:50
